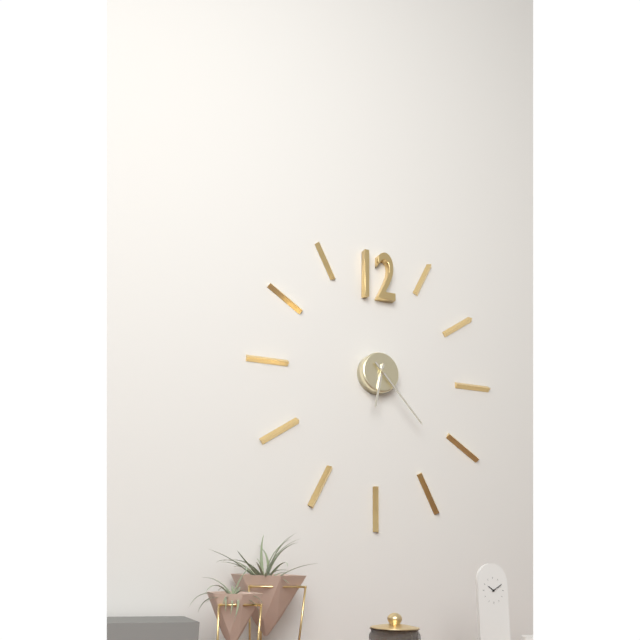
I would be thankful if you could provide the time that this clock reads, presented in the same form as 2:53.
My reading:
6:23
